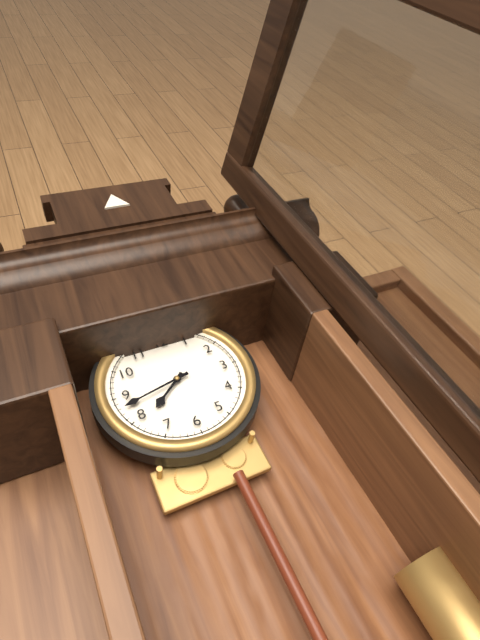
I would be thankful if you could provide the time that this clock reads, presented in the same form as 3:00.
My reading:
7:43
